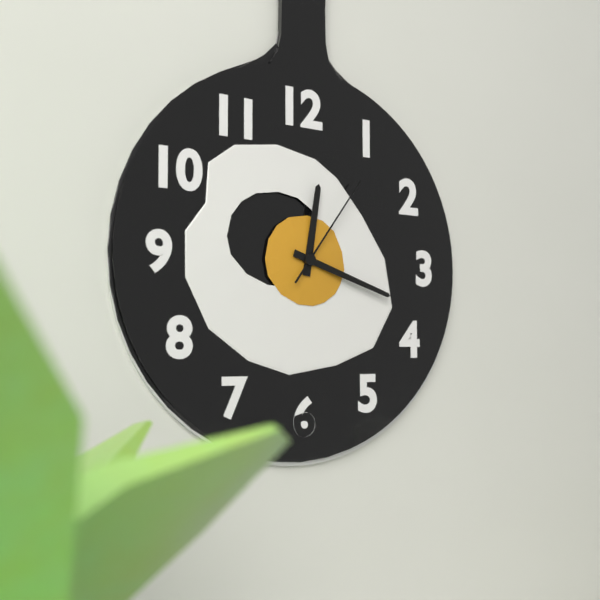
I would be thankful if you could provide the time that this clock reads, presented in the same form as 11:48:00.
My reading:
12:18:06
